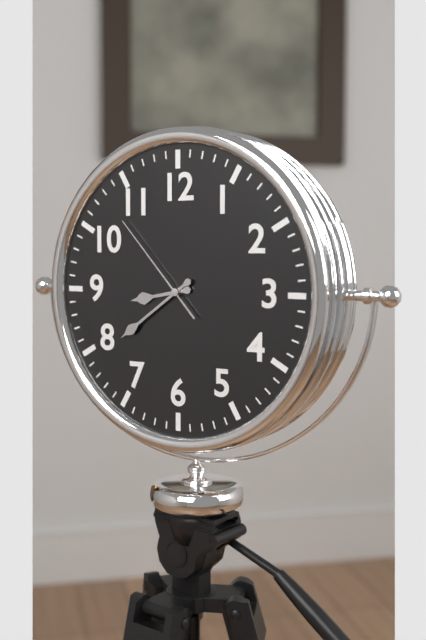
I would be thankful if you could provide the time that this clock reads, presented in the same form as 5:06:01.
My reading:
8:39:53
